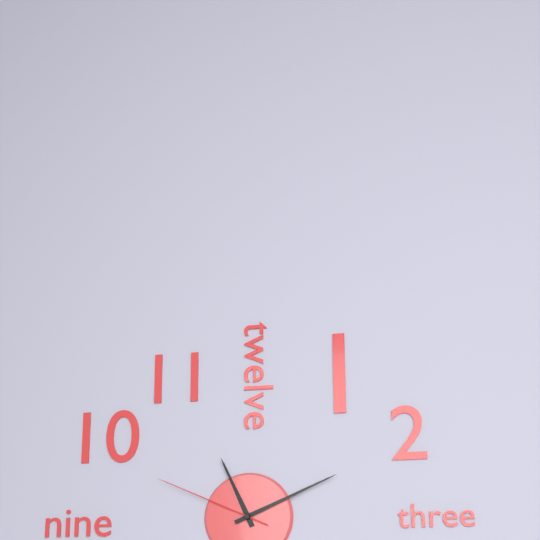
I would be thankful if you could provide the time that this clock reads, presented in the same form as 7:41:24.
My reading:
11:11:49
